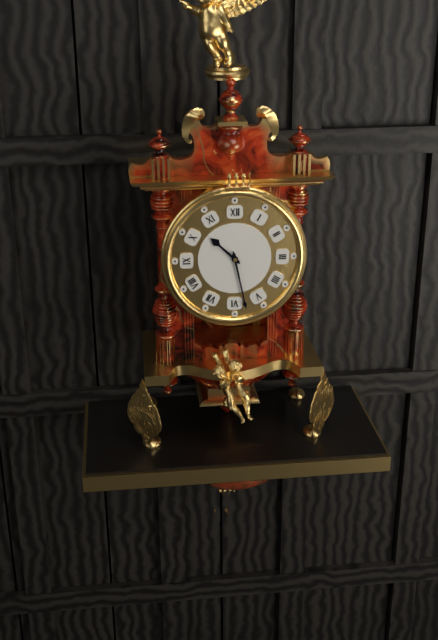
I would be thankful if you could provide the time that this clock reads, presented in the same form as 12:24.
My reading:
10:28
